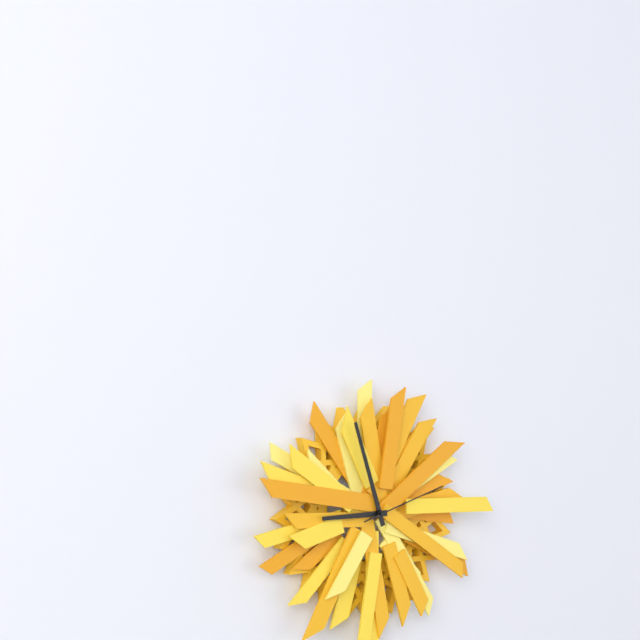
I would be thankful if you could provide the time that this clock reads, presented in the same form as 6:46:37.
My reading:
8:57:12
